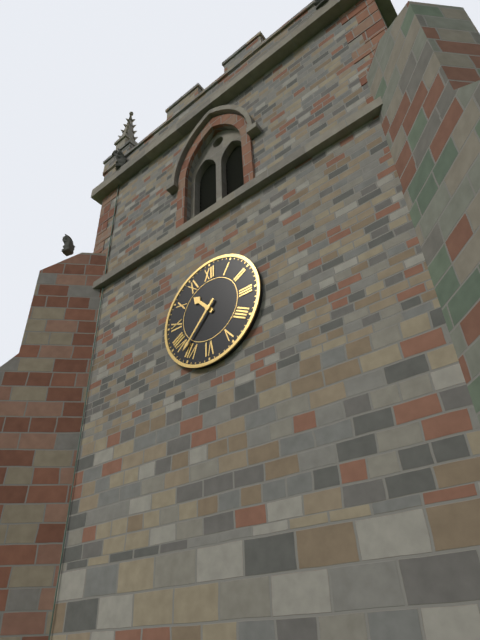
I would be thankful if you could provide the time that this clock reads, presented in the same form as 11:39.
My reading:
10:37
